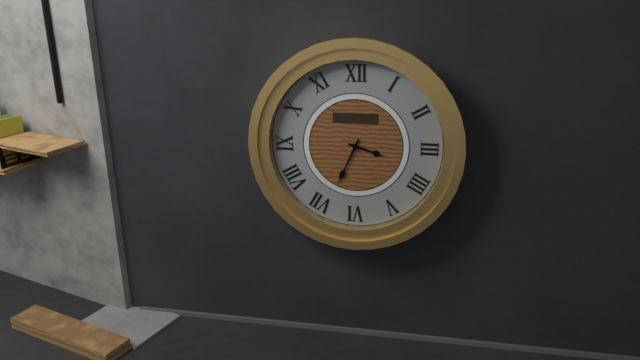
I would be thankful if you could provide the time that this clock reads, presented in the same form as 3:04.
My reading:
3:34
